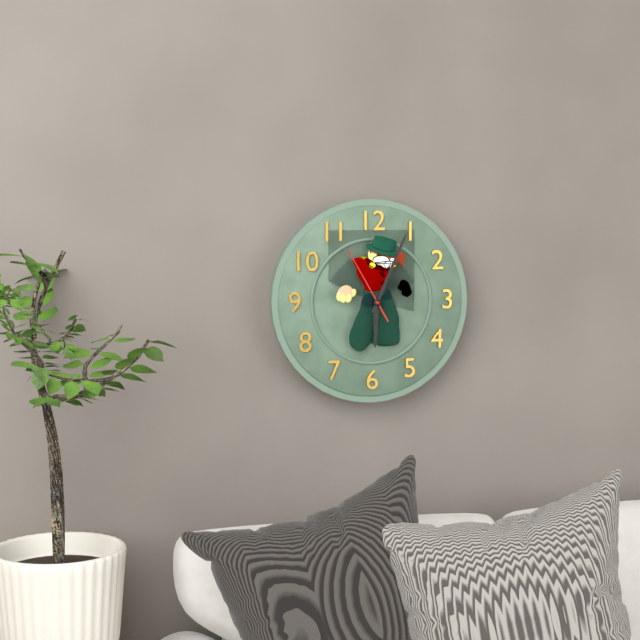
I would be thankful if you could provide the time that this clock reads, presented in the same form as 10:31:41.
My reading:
6:04:55
